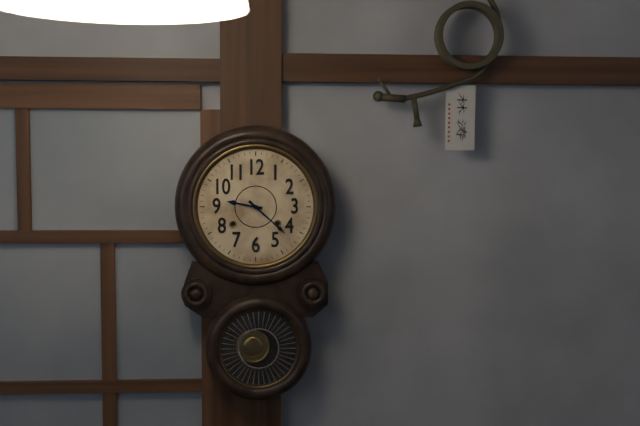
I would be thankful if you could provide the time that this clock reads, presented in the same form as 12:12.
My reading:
9:22
